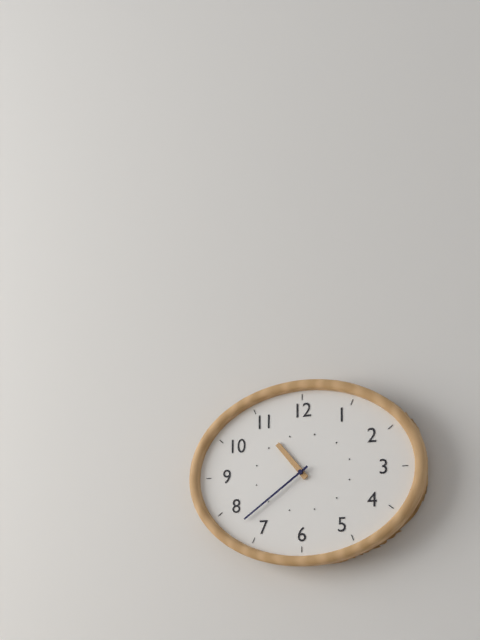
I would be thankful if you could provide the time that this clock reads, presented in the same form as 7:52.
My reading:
10:39
